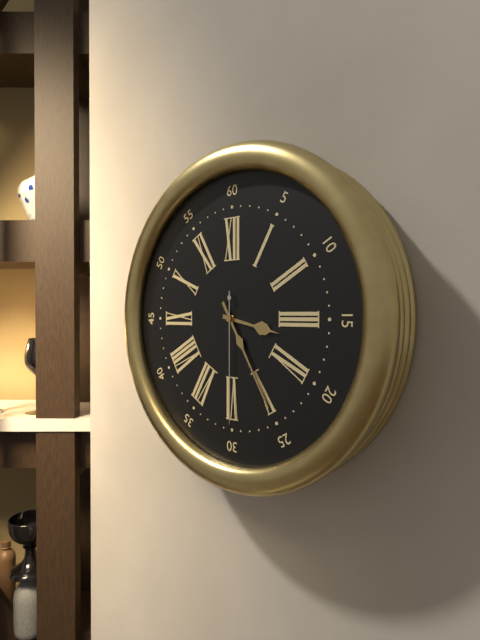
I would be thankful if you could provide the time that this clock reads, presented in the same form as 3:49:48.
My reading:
3:25:30
